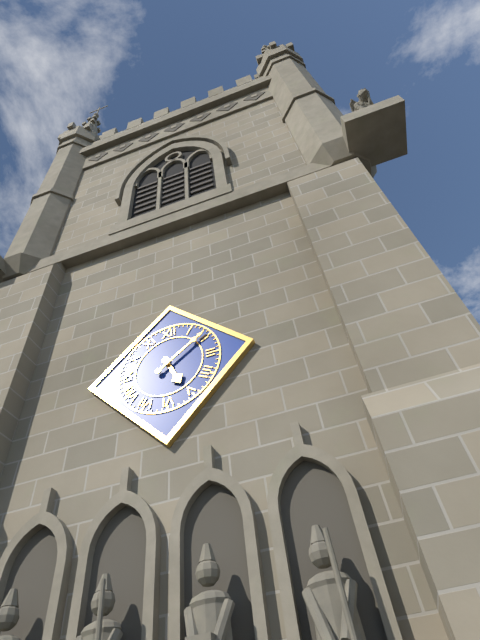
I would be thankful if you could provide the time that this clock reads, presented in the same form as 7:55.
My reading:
5:09
